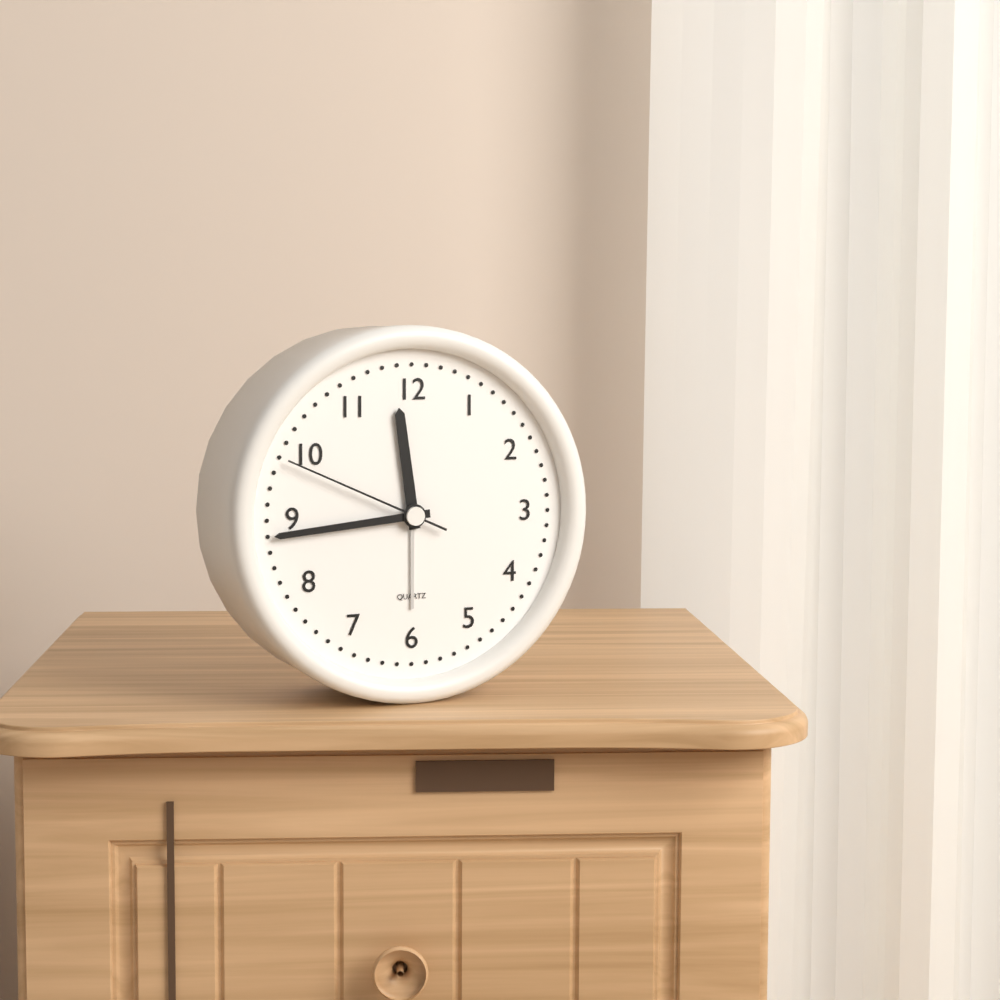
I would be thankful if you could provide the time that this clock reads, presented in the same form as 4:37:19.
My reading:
11:44:49
